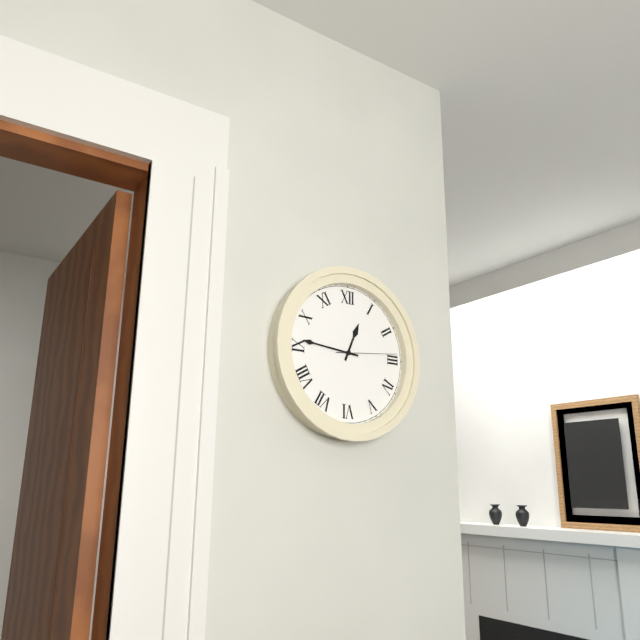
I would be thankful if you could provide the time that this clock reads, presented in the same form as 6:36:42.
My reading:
12:46:14
